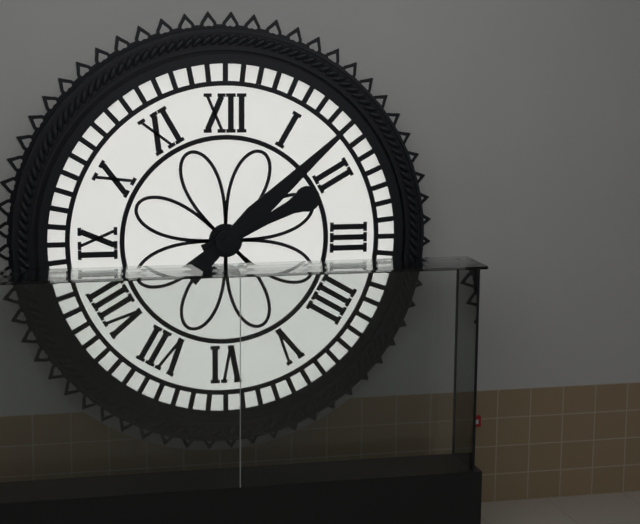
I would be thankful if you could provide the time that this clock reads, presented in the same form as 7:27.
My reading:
2:08
